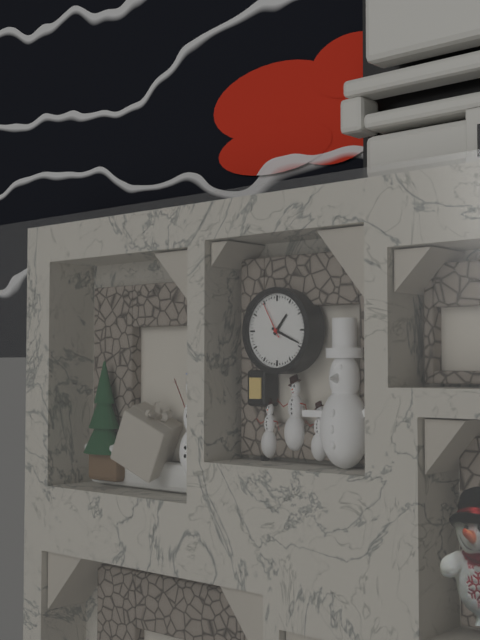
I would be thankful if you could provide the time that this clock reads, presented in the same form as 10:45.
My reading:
1:19
